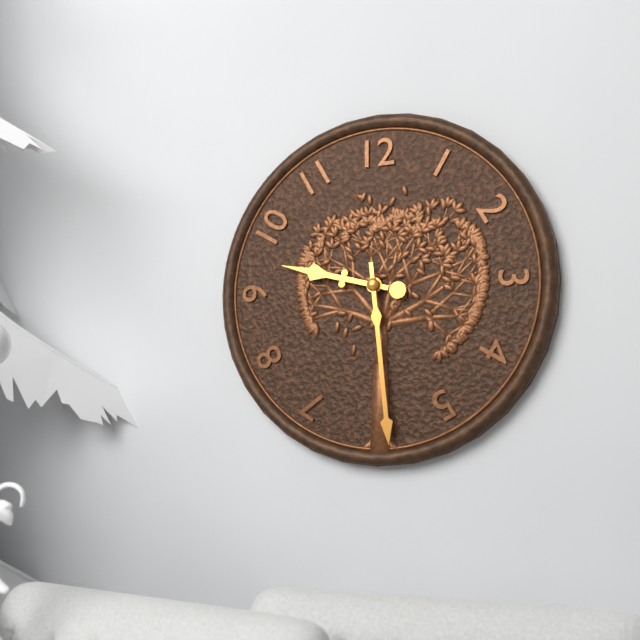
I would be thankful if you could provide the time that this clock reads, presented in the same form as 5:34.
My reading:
9:29
